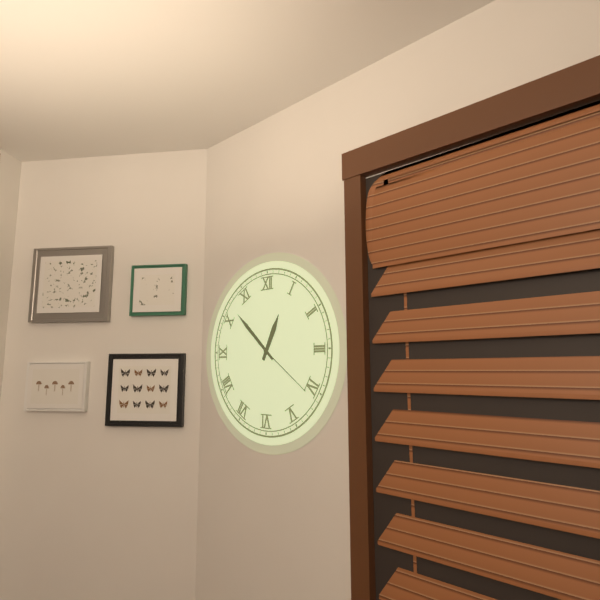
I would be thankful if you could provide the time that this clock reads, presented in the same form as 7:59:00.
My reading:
12:52:21
